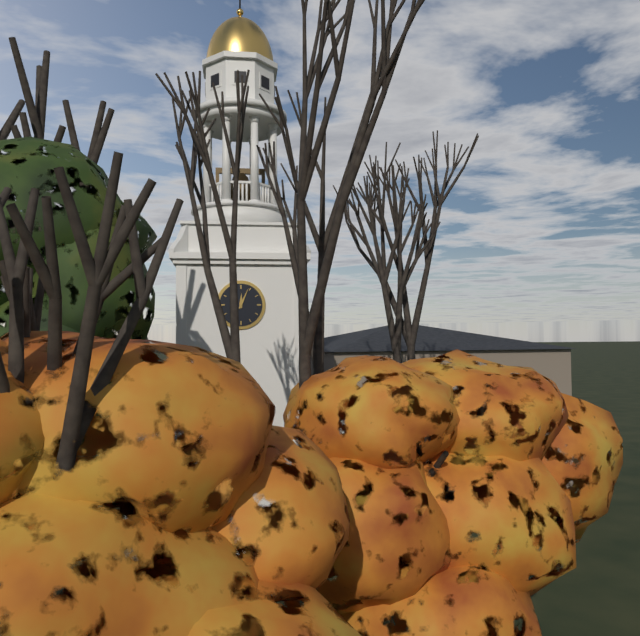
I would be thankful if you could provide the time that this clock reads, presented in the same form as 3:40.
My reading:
12:04
